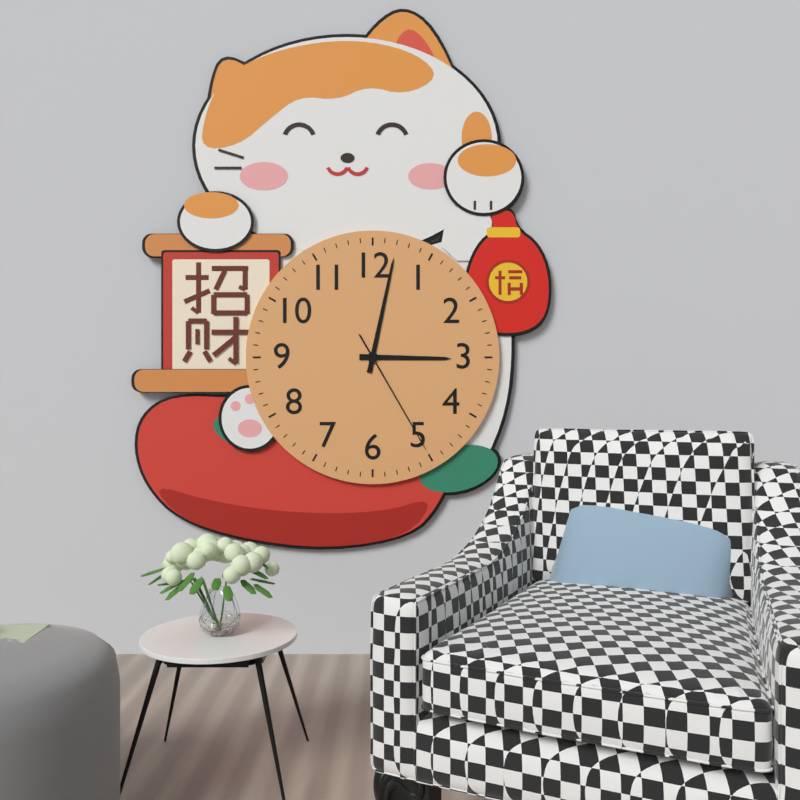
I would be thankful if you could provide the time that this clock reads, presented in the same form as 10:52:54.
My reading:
3:02:25
